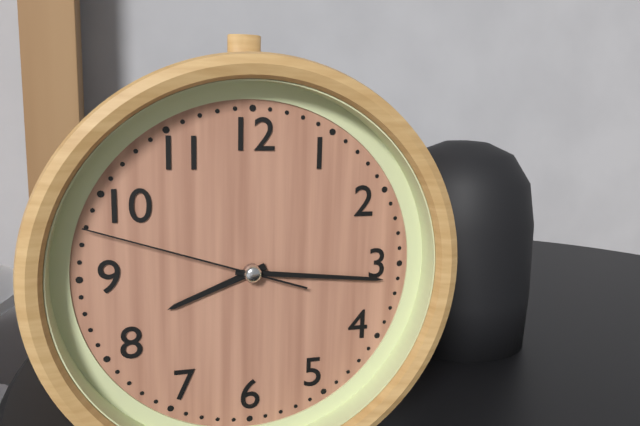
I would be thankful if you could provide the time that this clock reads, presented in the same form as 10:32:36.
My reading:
8:16:48
